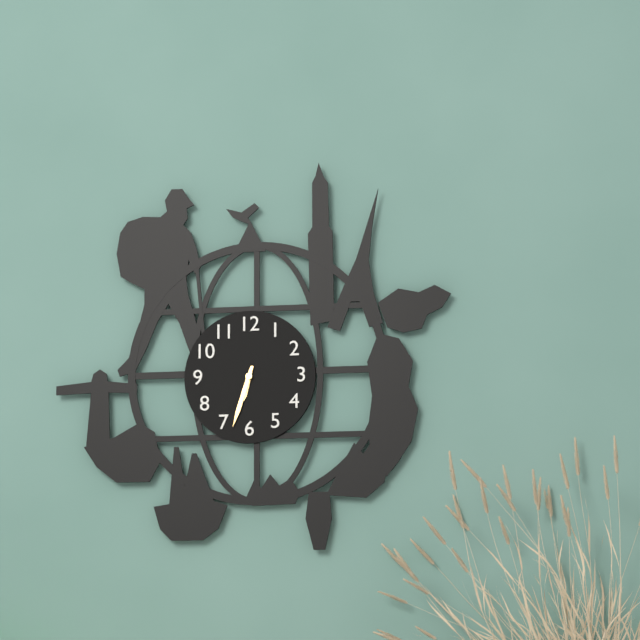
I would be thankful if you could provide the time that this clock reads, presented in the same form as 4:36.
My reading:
6:33
